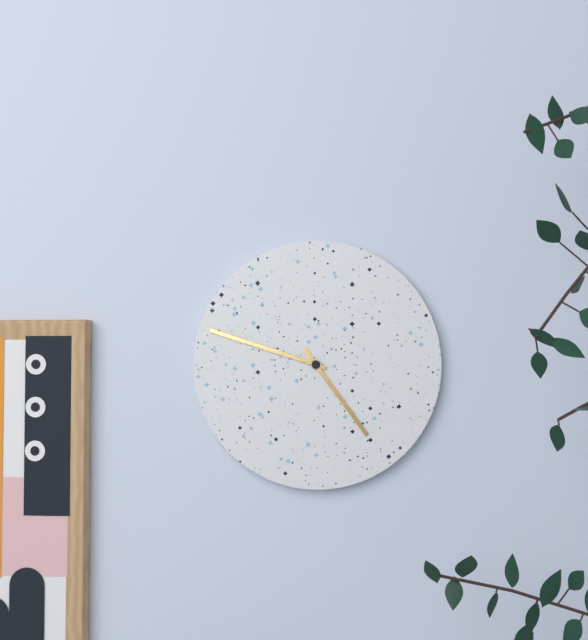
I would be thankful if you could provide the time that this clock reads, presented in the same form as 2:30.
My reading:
4:48
